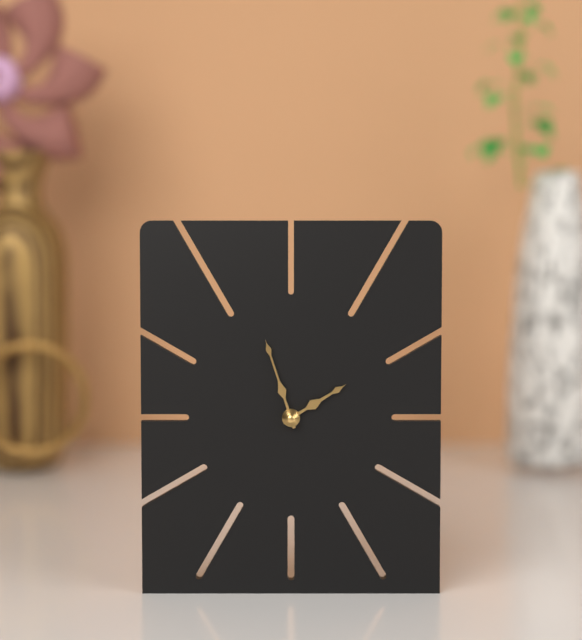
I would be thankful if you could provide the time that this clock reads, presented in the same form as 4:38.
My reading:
1:57
